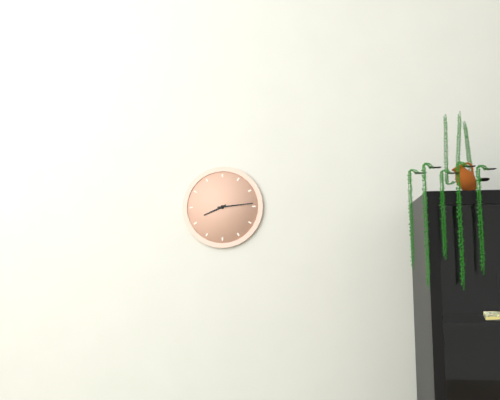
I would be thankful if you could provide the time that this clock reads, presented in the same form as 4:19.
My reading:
8:14
